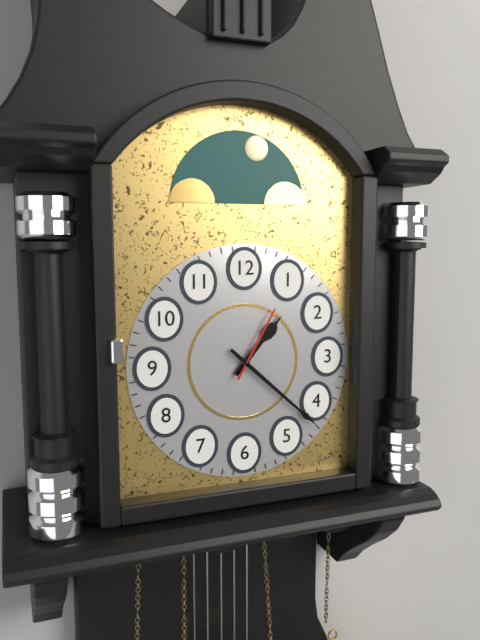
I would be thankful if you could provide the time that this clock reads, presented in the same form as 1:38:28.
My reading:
1:22:05
